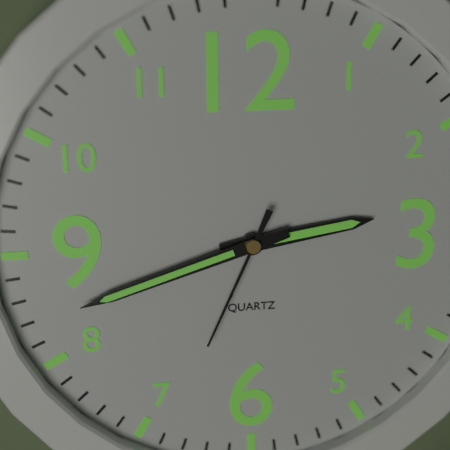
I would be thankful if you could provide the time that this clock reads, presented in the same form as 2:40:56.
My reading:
2:42:34
